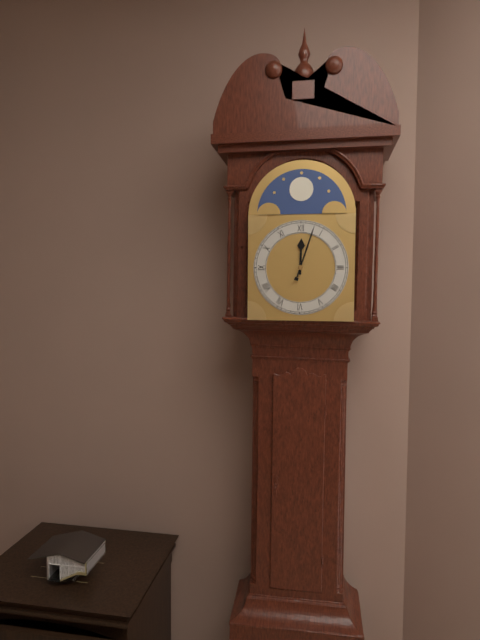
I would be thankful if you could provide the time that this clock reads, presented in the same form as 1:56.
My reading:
12:03
